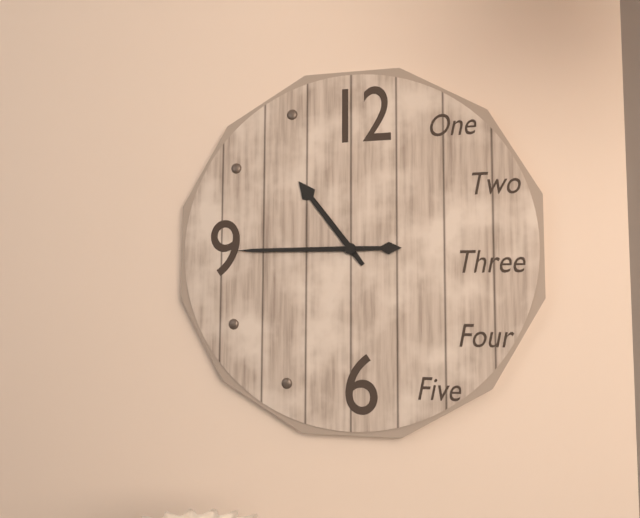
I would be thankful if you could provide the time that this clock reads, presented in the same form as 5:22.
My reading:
10:45
